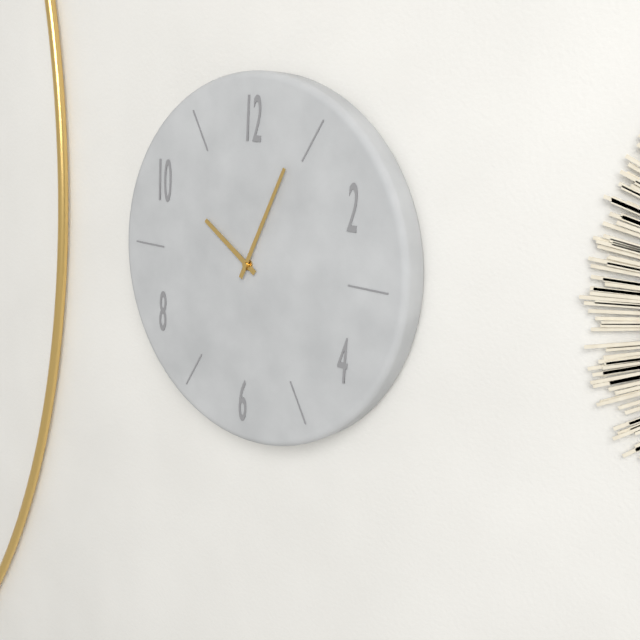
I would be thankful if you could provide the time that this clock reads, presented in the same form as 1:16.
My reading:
10:04
